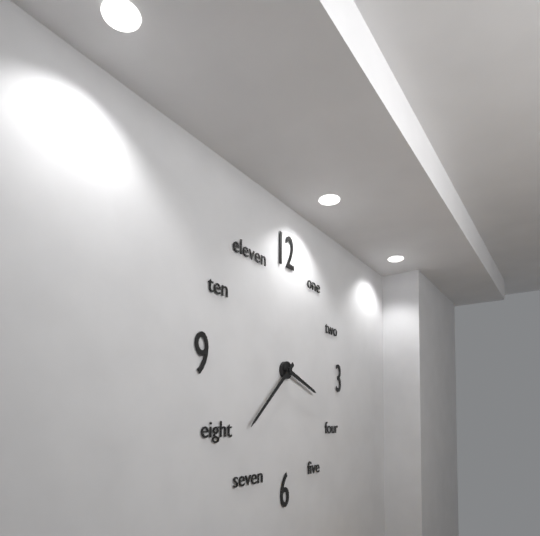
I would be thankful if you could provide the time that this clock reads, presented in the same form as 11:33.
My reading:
3:38
